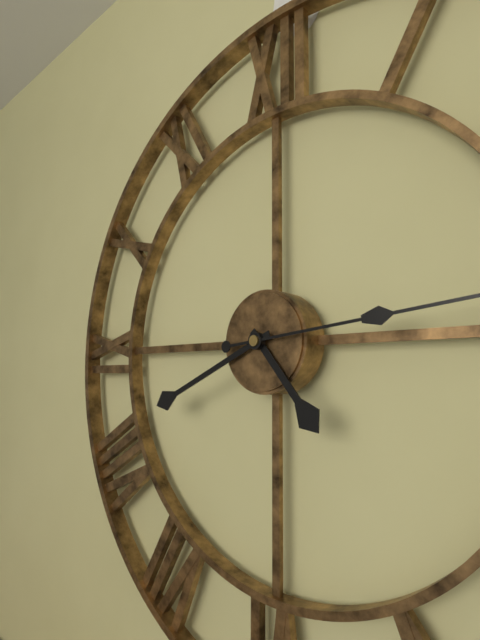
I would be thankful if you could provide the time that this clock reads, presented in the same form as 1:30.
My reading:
4:41
